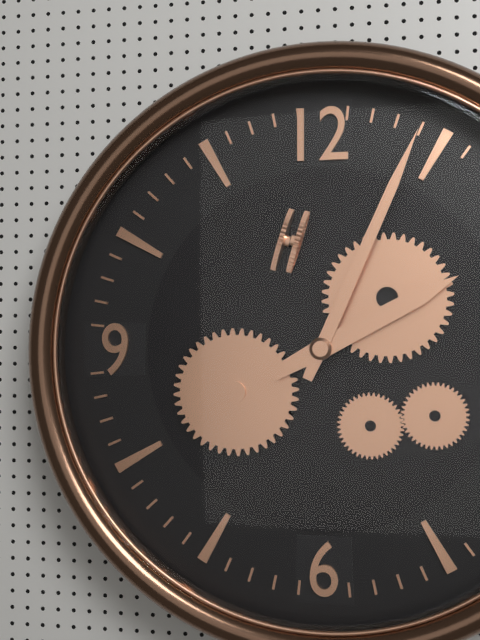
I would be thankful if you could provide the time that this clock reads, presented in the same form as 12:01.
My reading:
2:04
